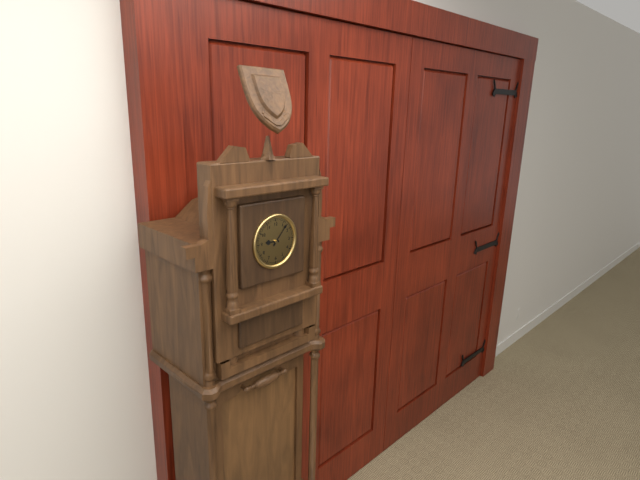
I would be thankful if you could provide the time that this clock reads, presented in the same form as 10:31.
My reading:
9:07
